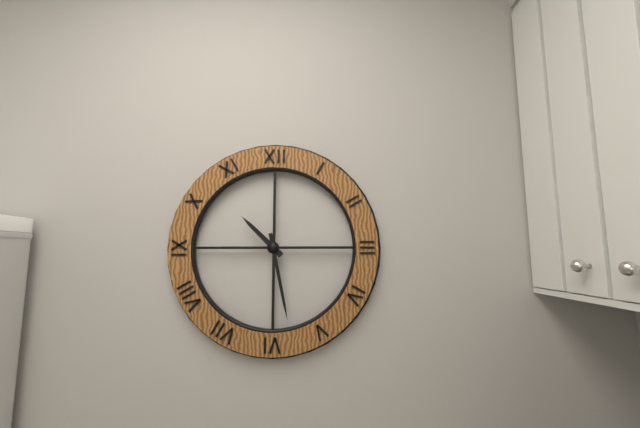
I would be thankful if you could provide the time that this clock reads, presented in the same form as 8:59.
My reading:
10:28
